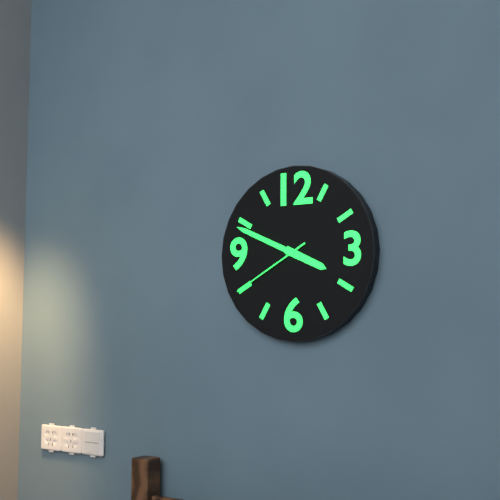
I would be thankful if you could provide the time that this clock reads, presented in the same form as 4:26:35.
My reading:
3:49:40
